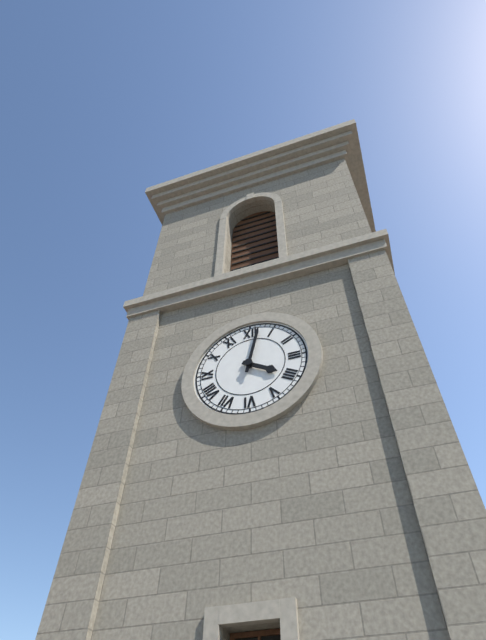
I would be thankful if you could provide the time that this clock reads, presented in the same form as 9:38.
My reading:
4:02
